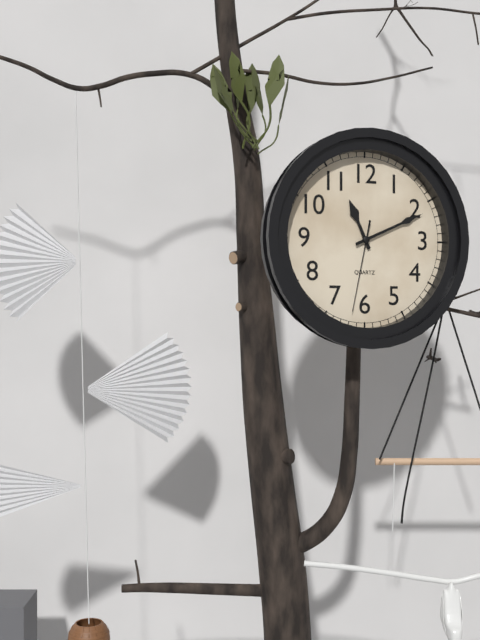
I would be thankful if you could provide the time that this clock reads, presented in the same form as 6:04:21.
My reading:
11:11:32
